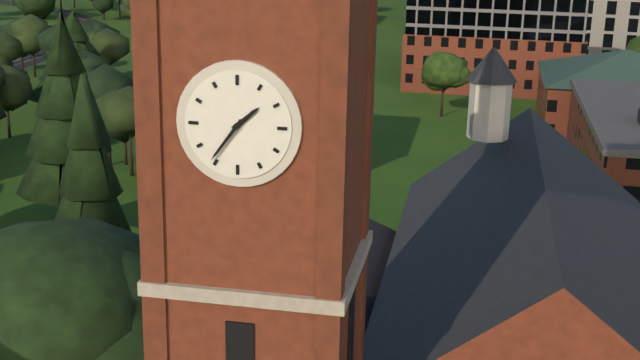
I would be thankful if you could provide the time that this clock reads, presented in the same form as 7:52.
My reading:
1:36
